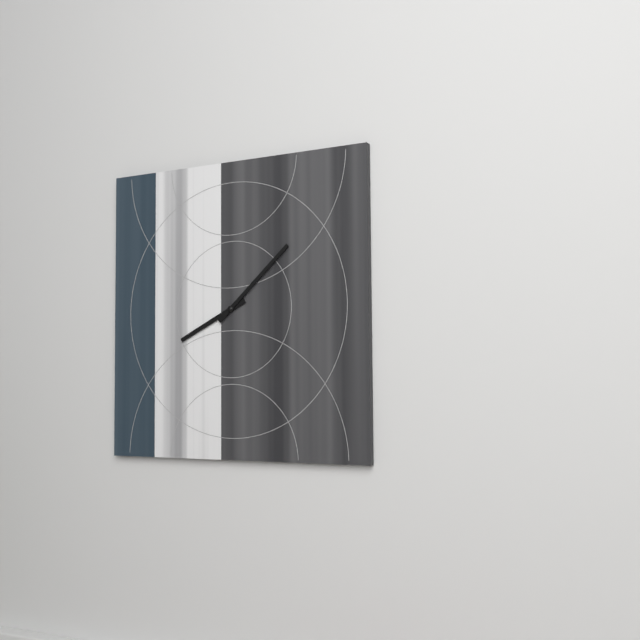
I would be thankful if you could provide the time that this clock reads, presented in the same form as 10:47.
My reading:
8:08
